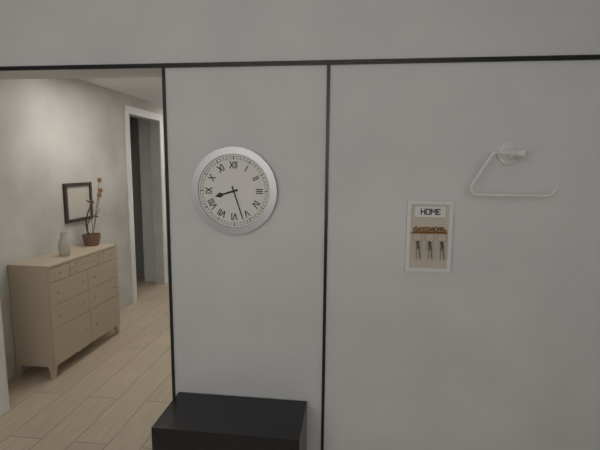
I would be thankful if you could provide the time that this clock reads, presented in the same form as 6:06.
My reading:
8:27
